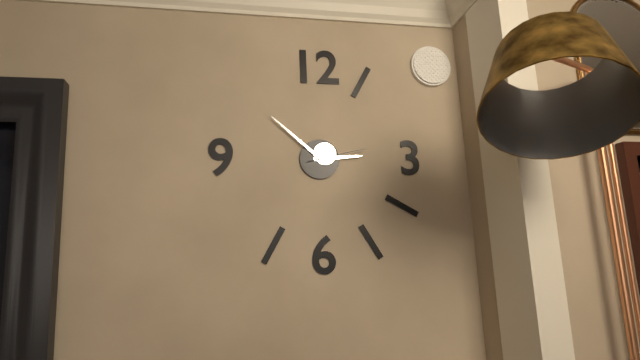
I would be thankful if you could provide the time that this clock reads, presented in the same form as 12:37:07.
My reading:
2:52:13
